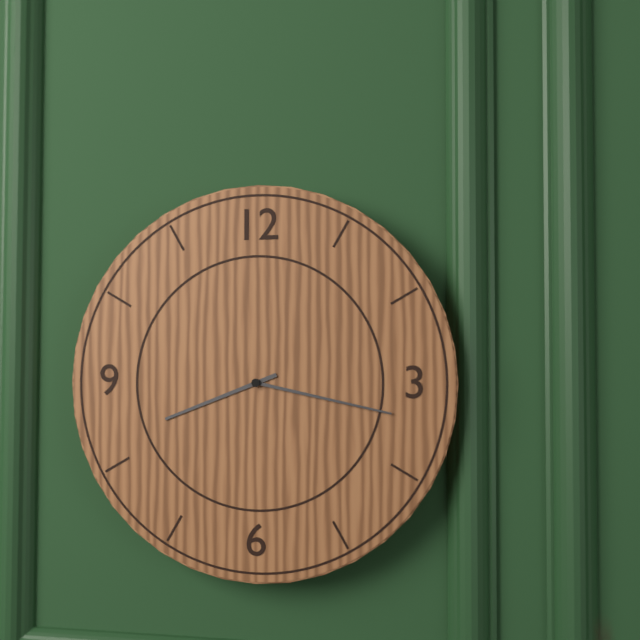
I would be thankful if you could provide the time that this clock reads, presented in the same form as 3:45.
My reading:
8:17
